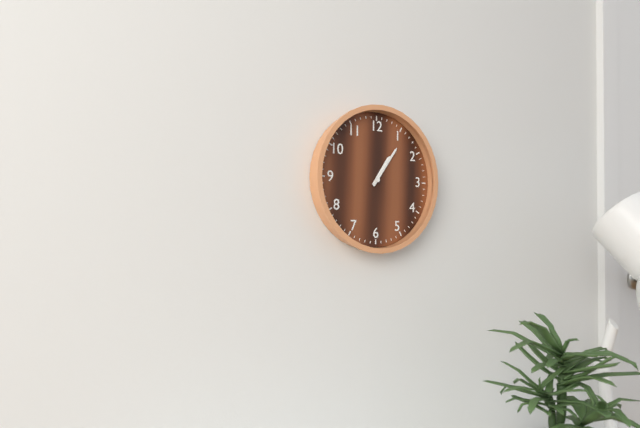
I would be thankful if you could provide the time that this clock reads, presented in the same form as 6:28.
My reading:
1:06
